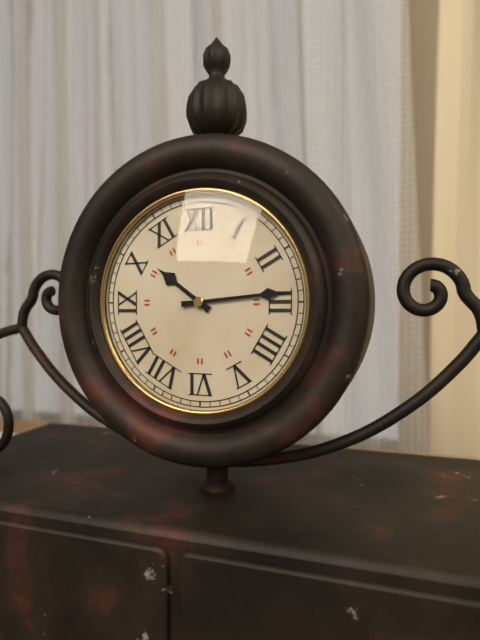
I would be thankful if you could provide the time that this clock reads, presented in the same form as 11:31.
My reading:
10:14
